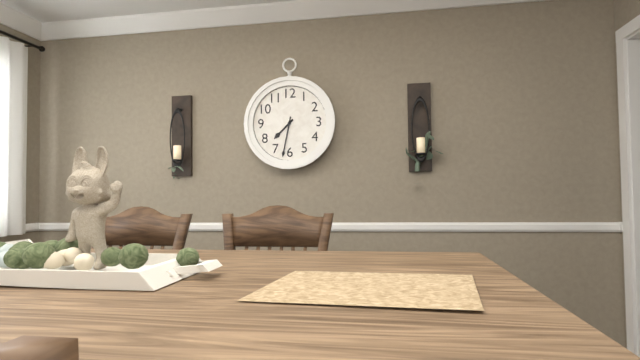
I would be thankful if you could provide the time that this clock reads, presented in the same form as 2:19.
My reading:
7:32
